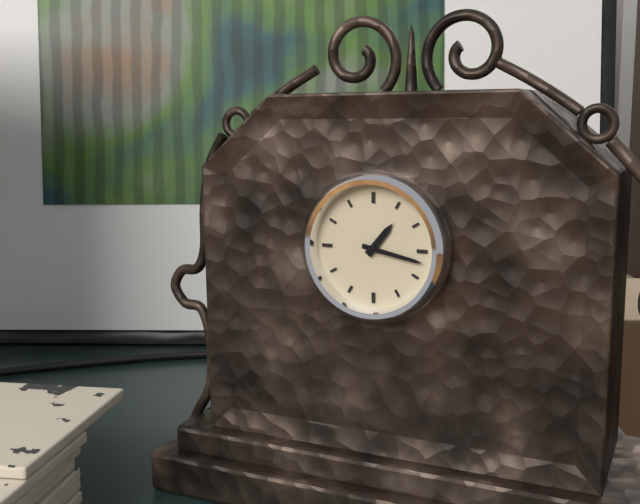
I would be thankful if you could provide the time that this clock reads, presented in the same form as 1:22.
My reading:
1:17
